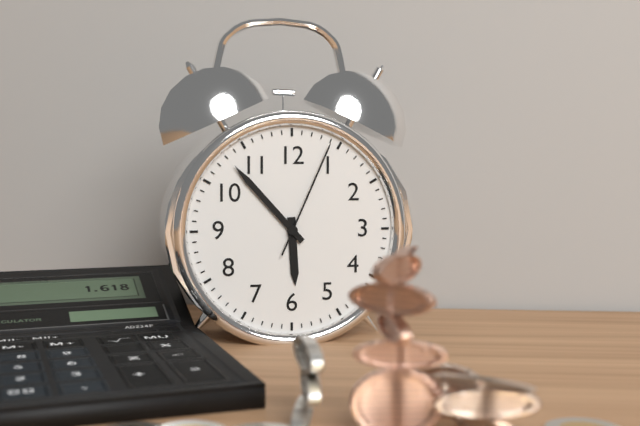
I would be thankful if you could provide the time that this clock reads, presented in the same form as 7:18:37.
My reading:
5:53:04
